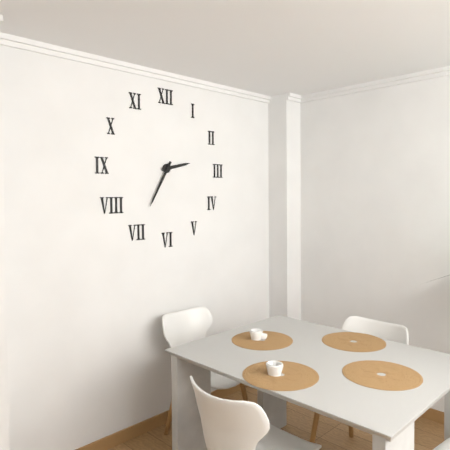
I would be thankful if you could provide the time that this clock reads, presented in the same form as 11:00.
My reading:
2:35
